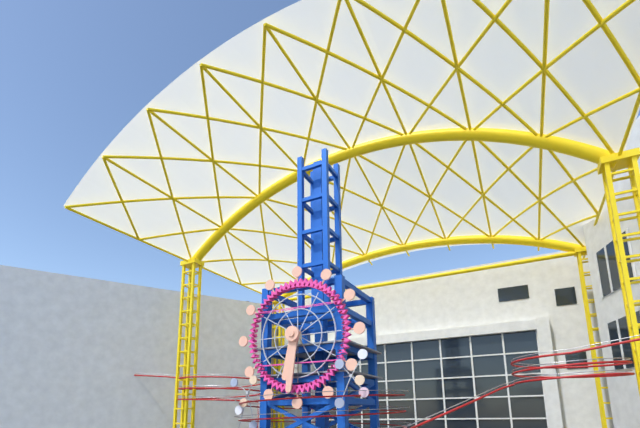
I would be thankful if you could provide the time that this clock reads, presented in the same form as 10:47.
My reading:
6:31
